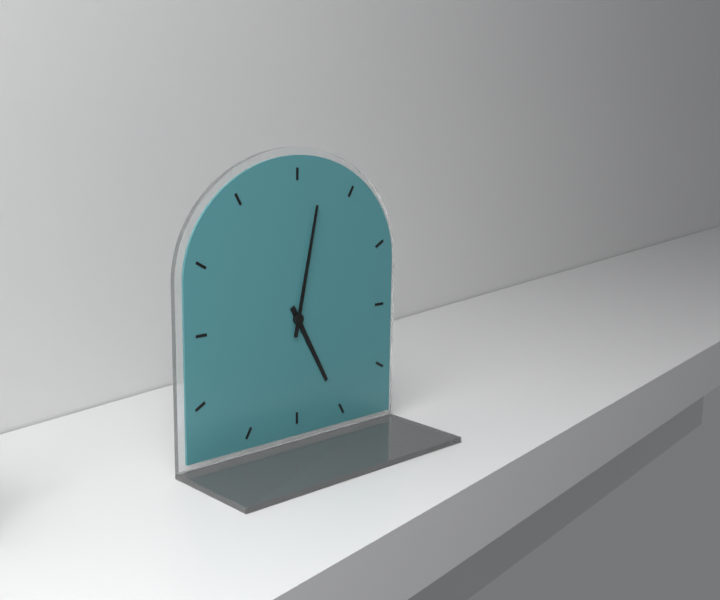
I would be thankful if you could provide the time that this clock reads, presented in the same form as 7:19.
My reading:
5:02
